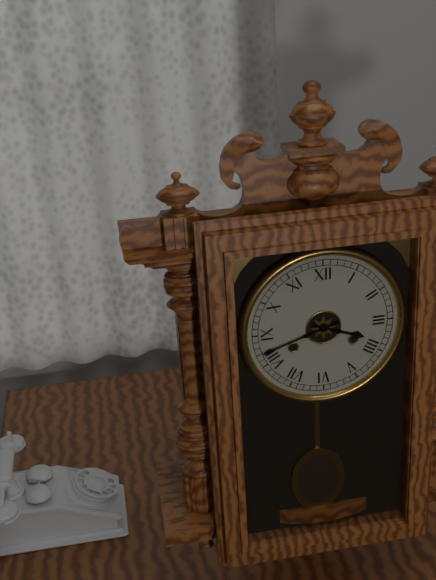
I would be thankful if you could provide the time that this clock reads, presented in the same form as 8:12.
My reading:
3:42
